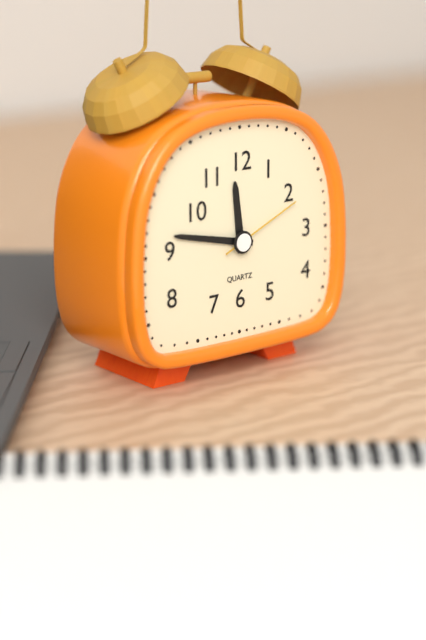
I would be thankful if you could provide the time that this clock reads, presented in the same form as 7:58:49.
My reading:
11:47:11
